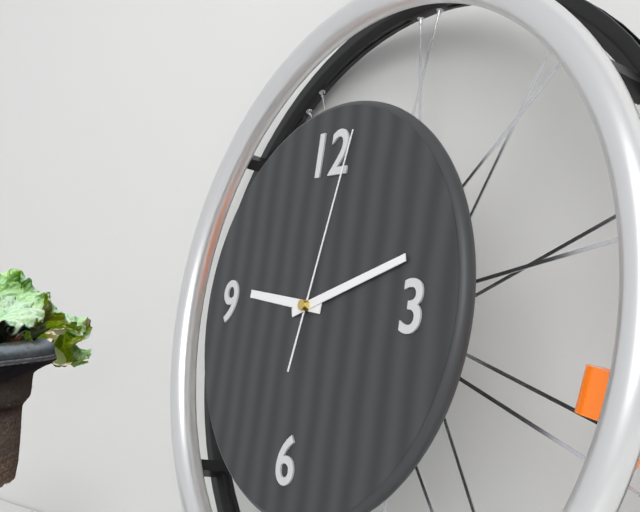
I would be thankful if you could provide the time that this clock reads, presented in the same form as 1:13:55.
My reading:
9:12:02
